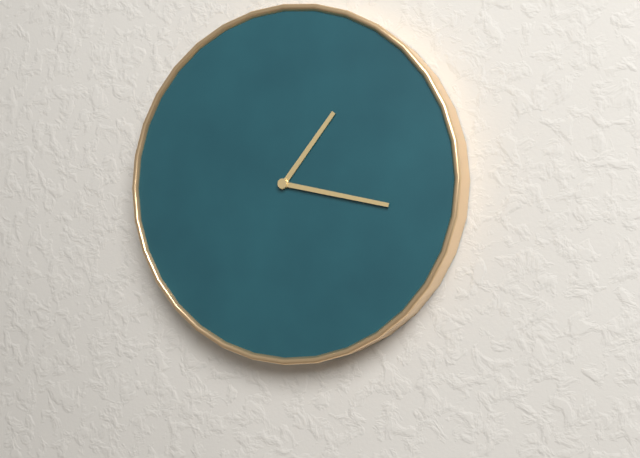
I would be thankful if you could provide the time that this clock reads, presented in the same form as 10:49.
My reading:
1:17
